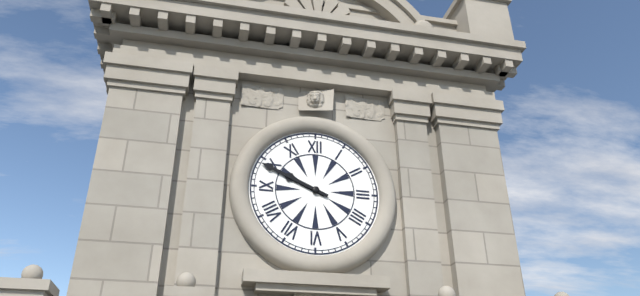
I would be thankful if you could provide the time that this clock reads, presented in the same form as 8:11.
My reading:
9:49
